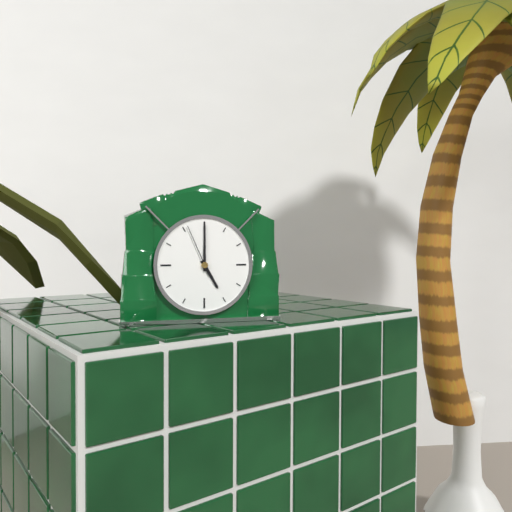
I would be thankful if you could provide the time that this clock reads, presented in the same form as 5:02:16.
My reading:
5:00:56
